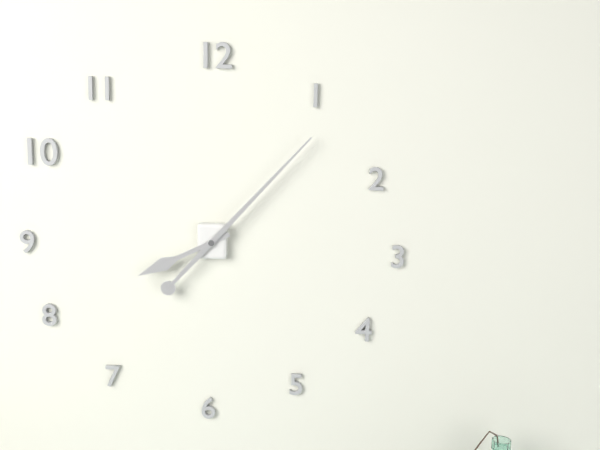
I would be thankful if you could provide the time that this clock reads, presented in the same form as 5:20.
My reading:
8:07
